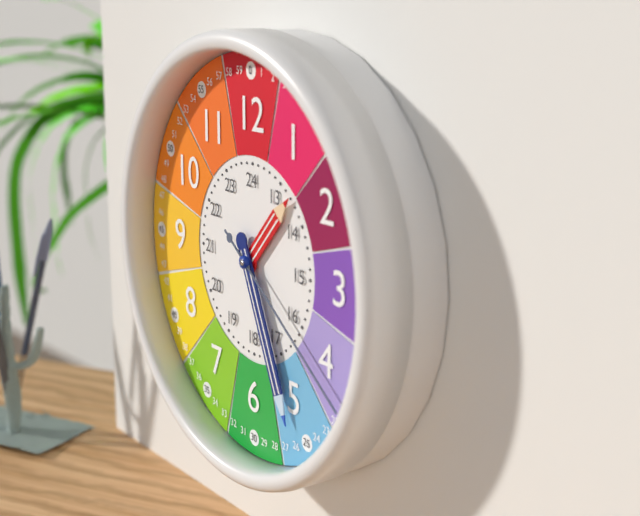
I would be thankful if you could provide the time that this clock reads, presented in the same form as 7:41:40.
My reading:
1:26:21
